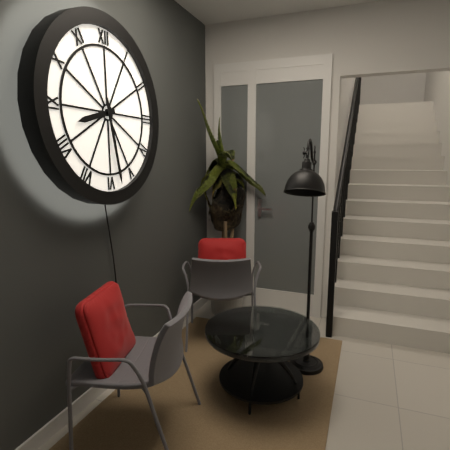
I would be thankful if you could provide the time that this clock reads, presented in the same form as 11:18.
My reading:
8:28
